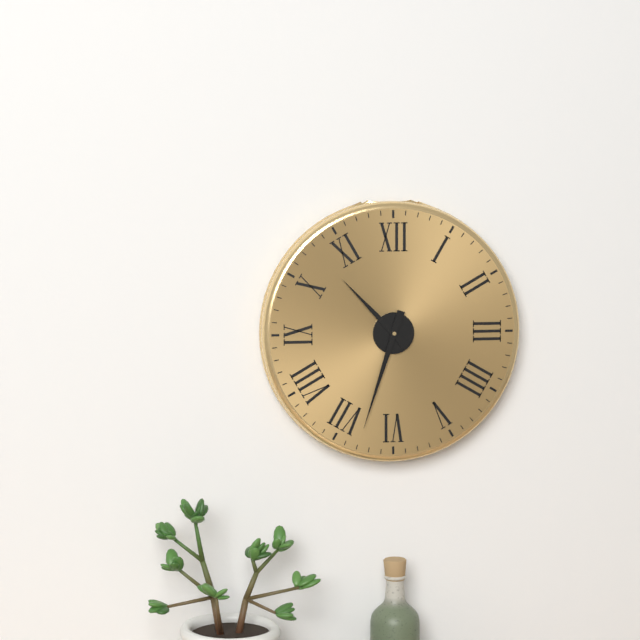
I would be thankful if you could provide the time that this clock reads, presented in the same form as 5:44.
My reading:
10:33
